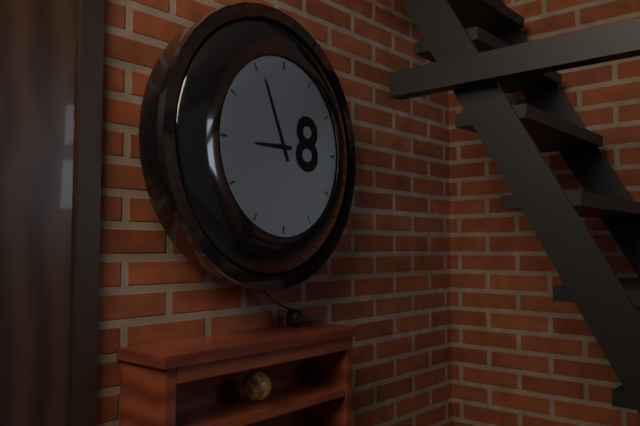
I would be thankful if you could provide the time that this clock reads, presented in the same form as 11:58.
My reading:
8:56
